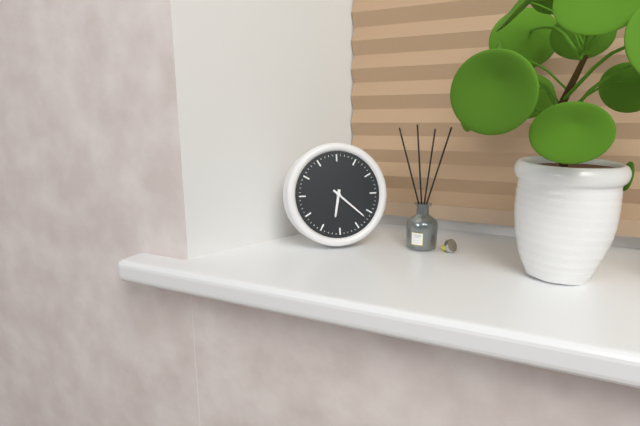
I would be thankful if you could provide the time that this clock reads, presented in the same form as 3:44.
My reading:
6:22
